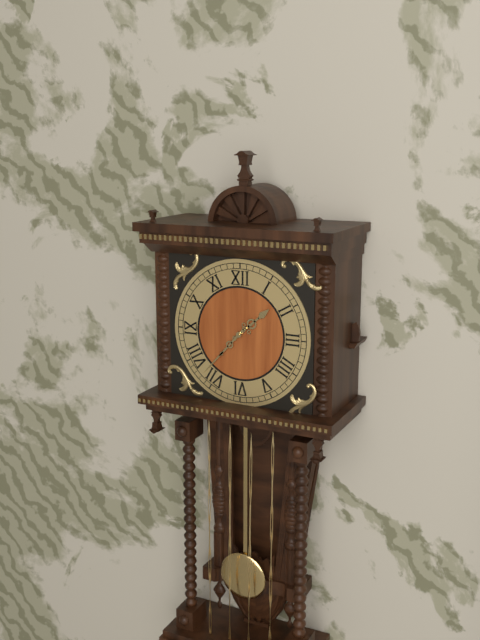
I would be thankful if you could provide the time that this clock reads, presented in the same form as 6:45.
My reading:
1:37
